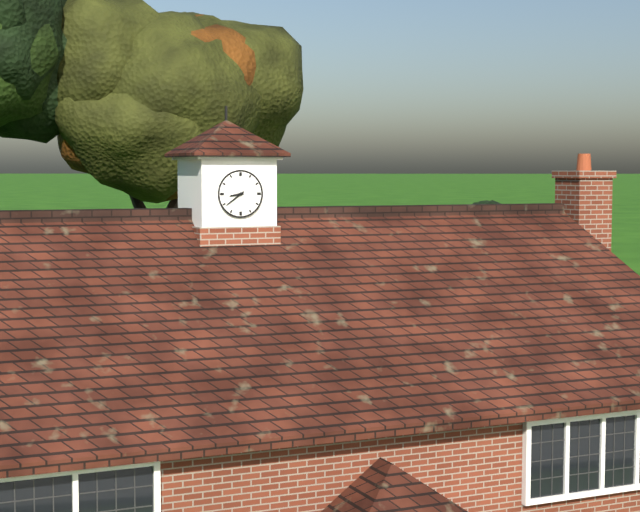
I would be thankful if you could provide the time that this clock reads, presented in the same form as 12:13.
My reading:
8:39
